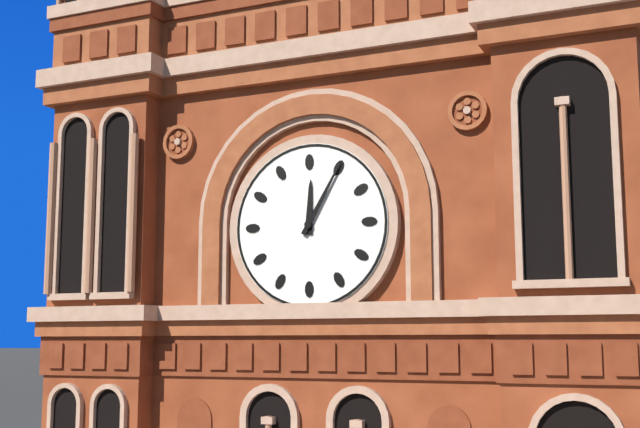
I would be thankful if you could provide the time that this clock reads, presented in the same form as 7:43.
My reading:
12:05
